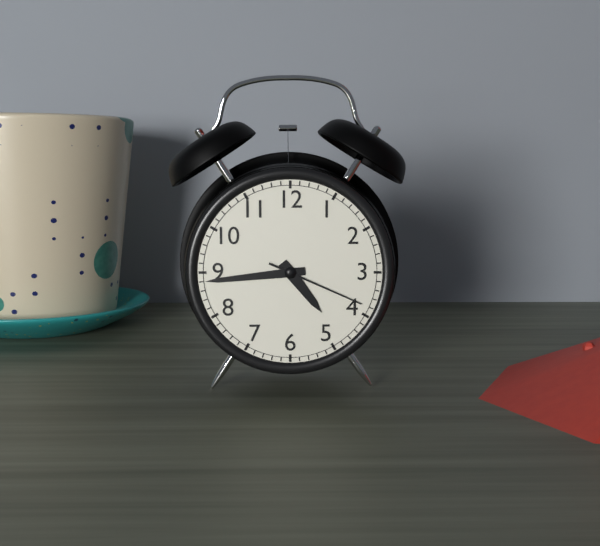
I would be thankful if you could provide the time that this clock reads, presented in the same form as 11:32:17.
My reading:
4:44:19
